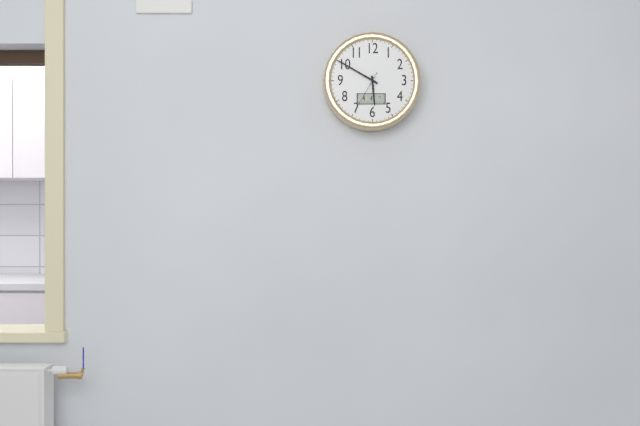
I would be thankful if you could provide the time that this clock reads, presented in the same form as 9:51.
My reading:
5:50
